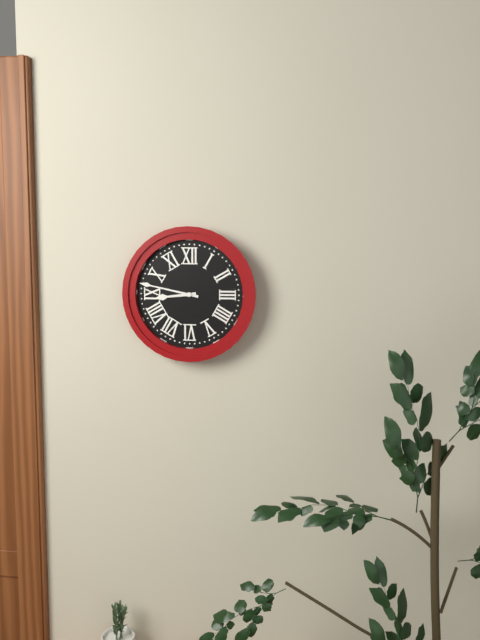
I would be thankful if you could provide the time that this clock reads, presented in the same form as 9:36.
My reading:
8:47
